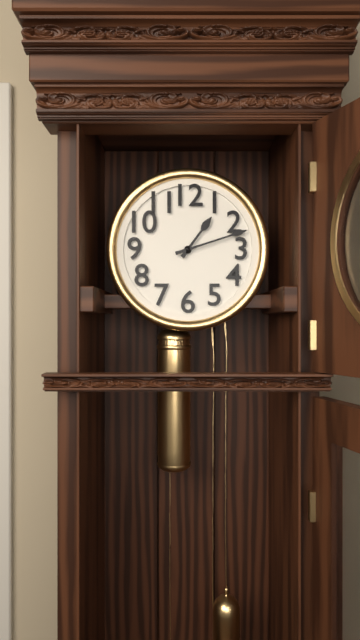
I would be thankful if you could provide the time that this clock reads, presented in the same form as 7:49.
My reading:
1:12
